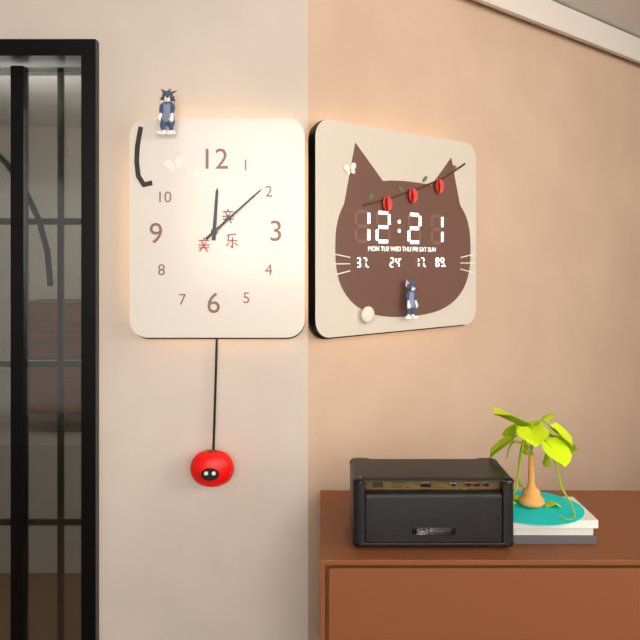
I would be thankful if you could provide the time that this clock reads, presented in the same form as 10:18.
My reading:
12:08
